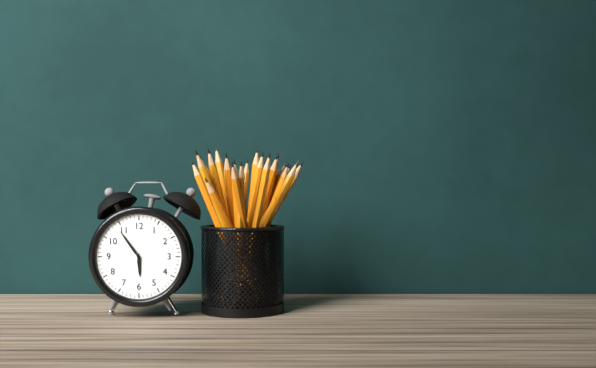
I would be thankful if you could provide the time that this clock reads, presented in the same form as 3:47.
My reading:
5:54
